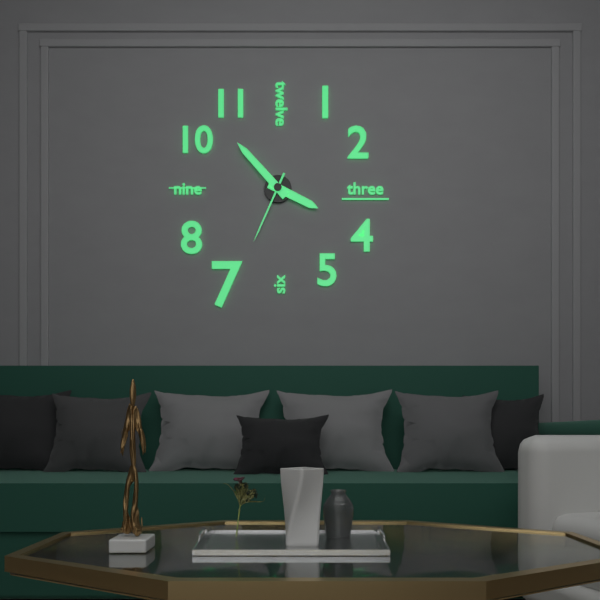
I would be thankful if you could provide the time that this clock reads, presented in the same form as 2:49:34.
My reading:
3:53:34
